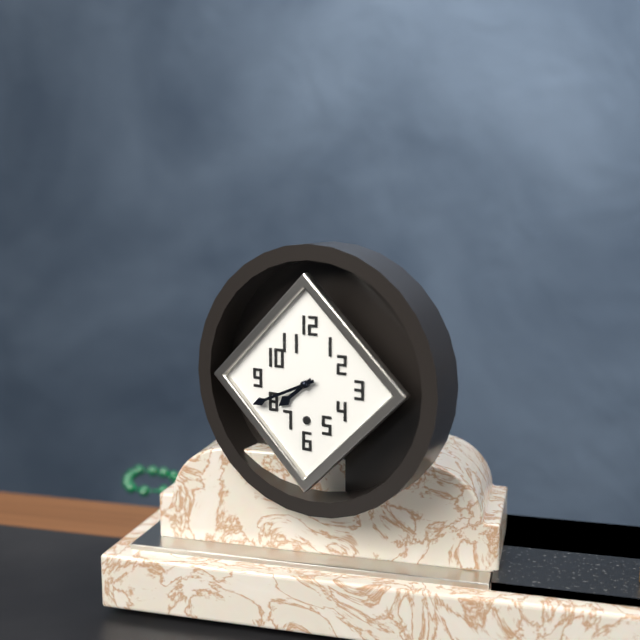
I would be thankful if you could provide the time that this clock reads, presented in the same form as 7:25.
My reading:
7:41
